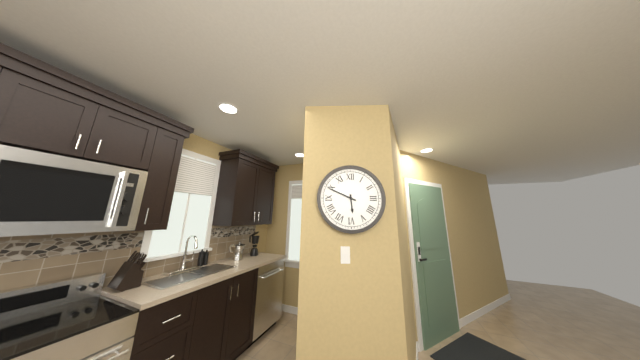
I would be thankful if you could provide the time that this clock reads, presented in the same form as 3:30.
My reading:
5:49
